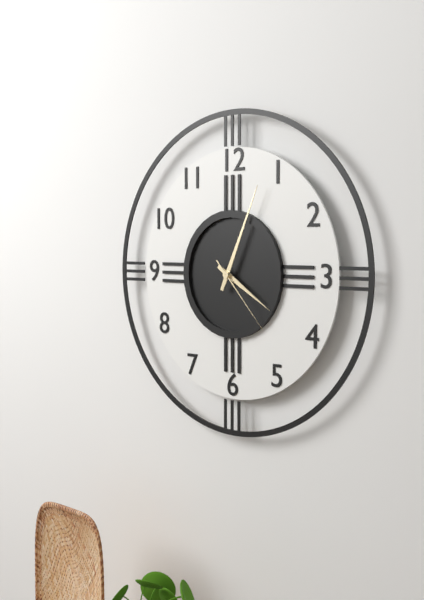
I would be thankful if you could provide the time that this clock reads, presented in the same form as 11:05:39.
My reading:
4:04:23
